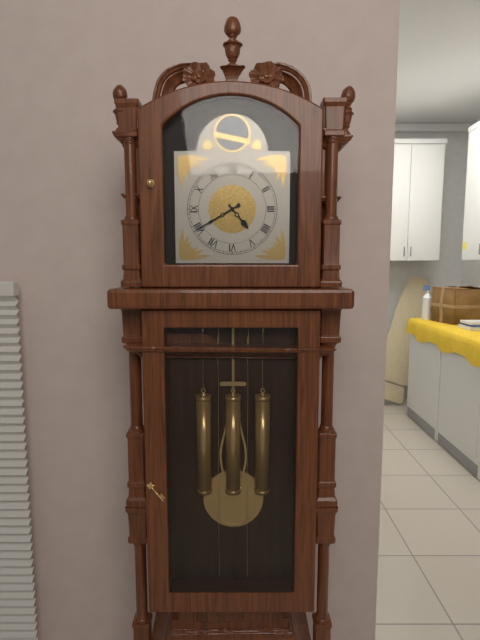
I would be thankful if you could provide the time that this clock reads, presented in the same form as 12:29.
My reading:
4:40
